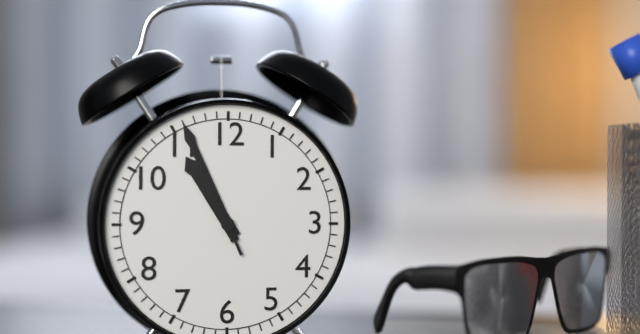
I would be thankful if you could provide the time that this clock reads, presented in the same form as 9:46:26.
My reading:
10:56:56
